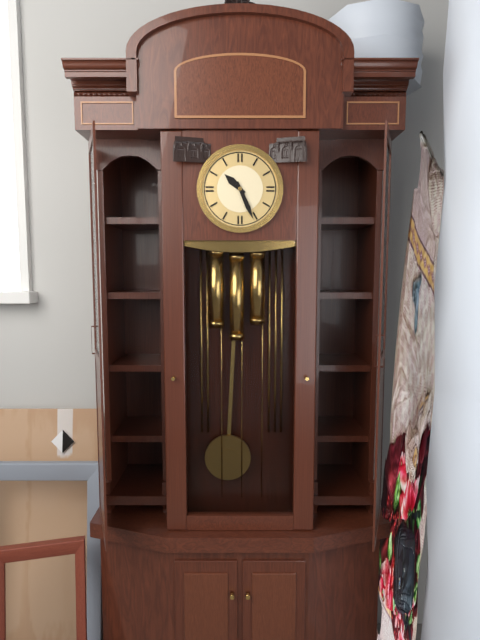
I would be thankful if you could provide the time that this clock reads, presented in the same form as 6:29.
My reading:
10:26
